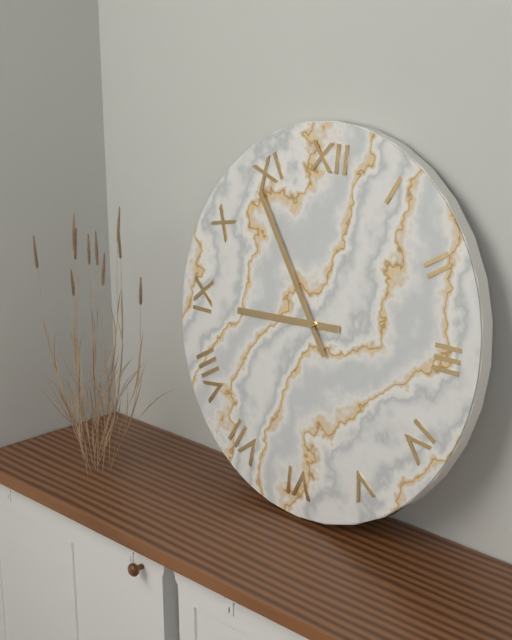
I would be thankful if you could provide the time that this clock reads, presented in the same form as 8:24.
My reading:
8:54
